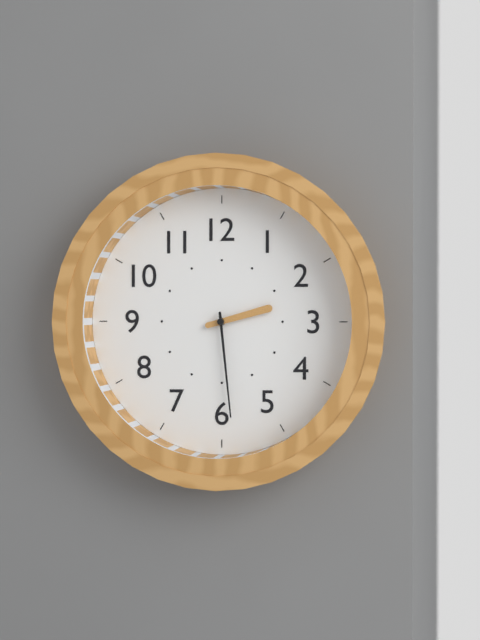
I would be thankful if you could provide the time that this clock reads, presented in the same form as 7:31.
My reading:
2:29
